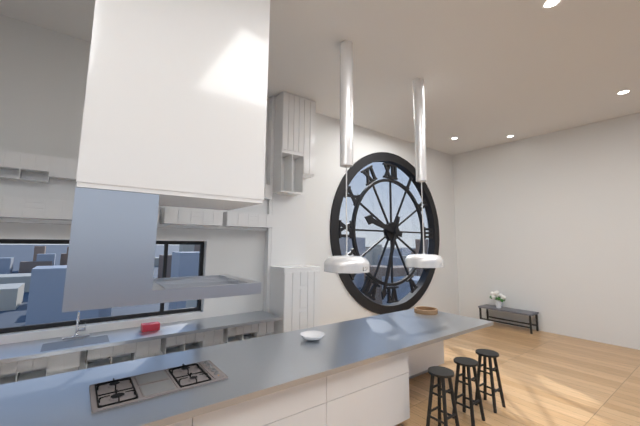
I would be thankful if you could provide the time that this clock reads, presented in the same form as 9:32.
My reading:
9:33
